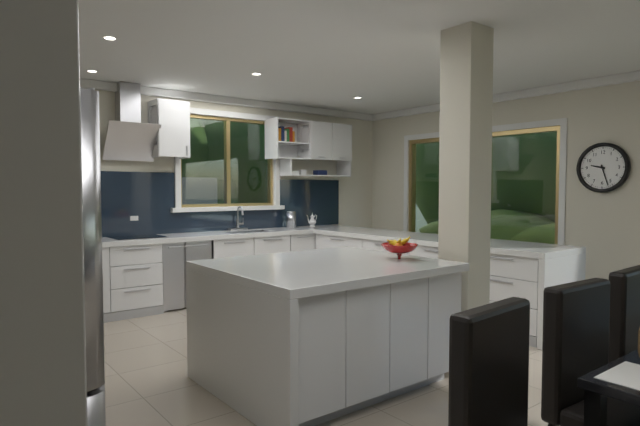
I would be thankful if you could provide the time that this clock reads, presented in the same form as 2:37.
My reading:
9:27
